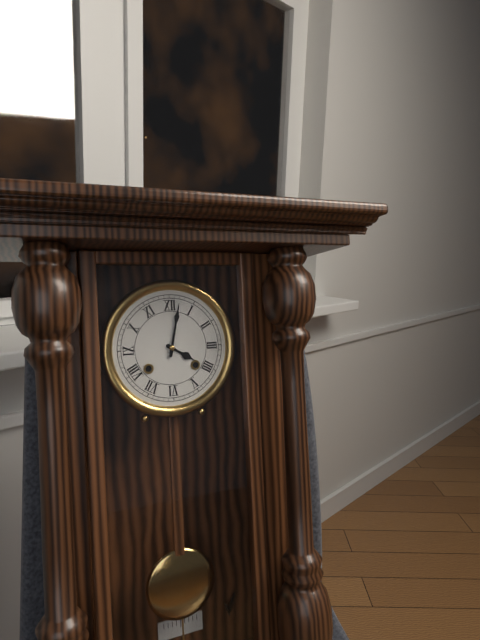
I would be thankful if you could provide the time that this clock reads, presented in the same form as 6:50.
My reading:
4:02
